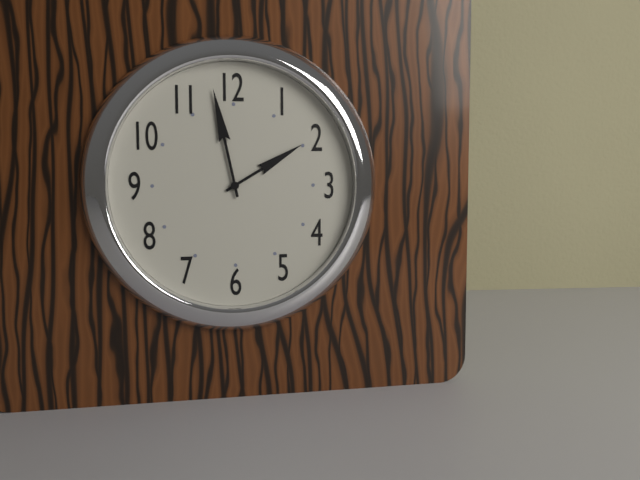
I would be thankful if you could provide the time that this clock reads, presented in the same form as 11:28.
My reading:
1:58
